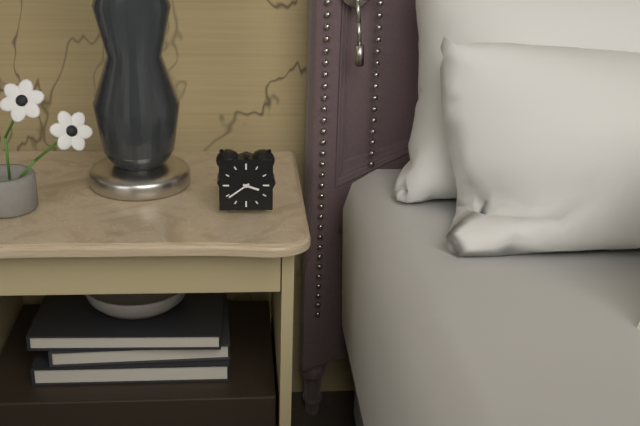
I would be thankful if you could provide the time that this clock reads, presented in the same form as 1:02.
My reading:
3:39
